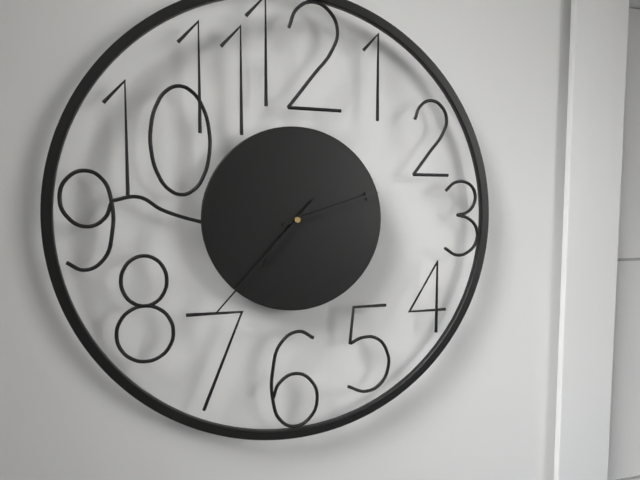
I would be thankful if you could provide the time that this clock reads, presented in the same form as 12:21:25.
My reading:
7:12:37
